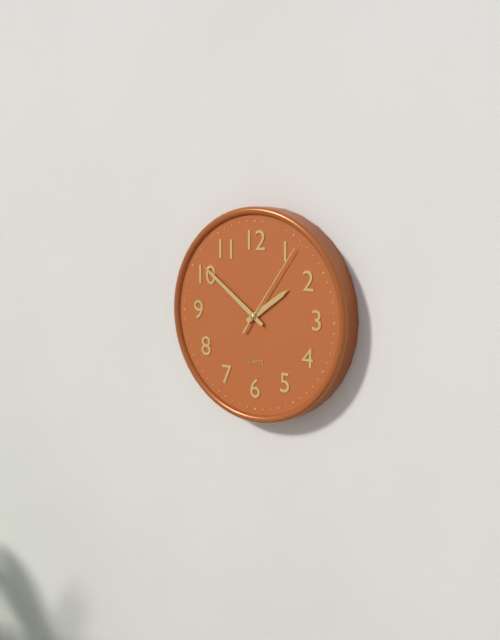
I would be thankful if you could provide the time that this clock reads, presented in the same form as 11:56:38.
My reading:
1:51:06
